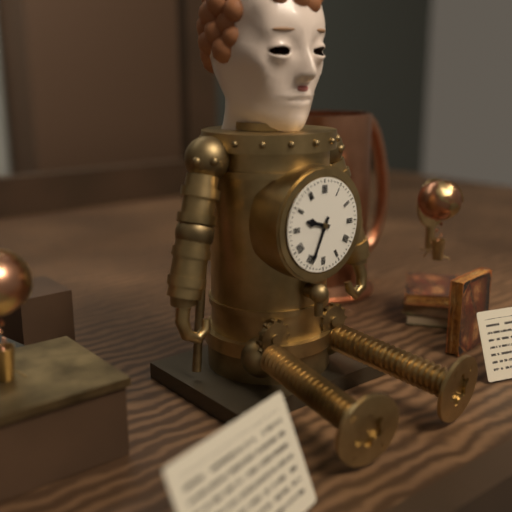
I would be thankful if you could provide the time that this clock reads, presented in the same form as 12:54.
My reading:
9:34
